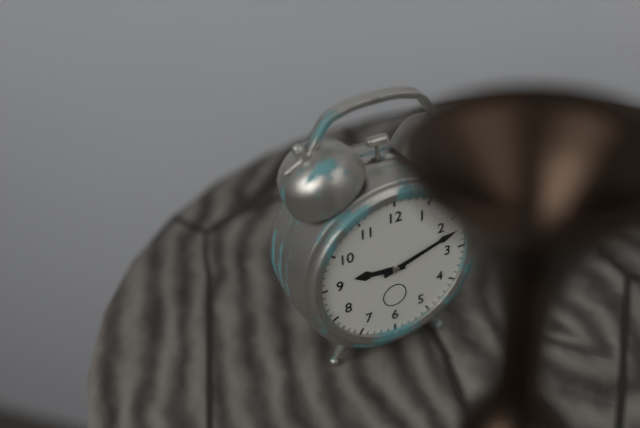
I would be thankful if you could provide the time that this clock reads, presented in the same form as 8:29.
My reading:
9:12
